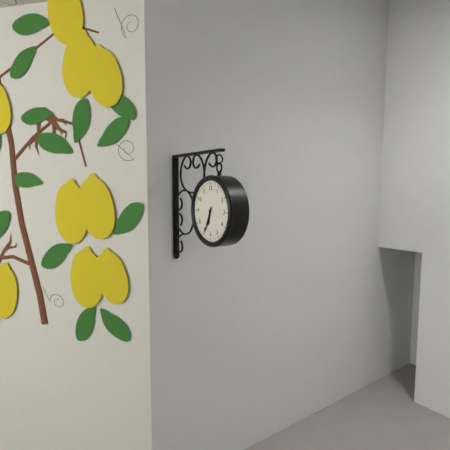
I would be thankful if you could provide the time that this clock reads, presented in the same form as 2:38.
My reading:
6:34
